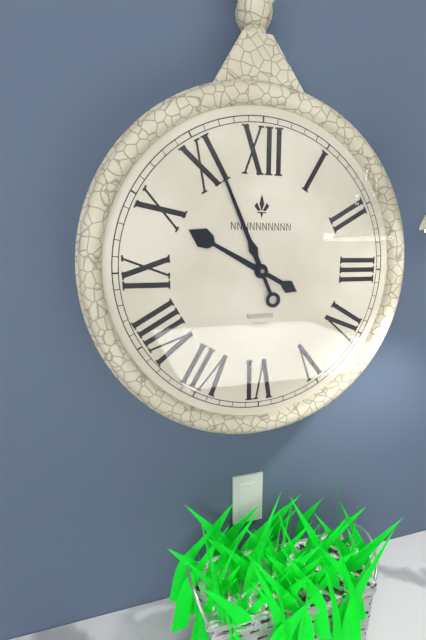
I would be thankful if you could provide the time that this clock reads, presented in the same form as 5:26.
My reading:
9:56
